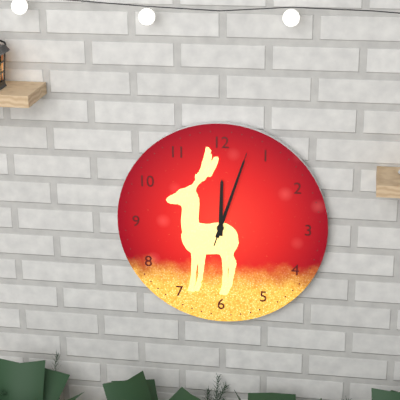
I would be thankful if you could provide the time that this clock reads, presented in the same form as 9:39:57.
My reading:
12:03:03
